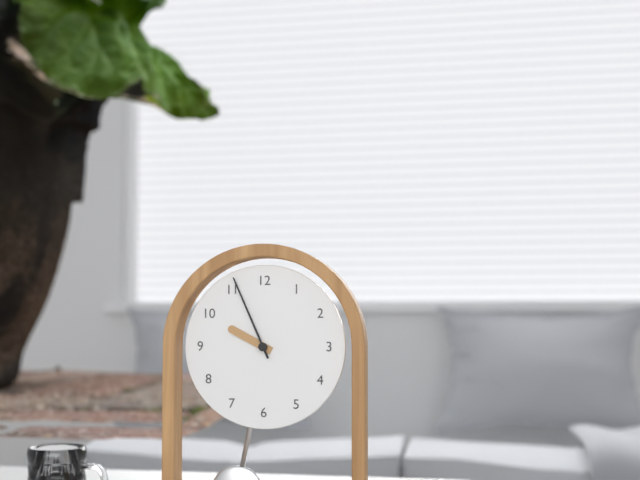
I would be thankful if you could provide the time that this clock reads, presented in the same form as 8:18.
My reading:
9:56
